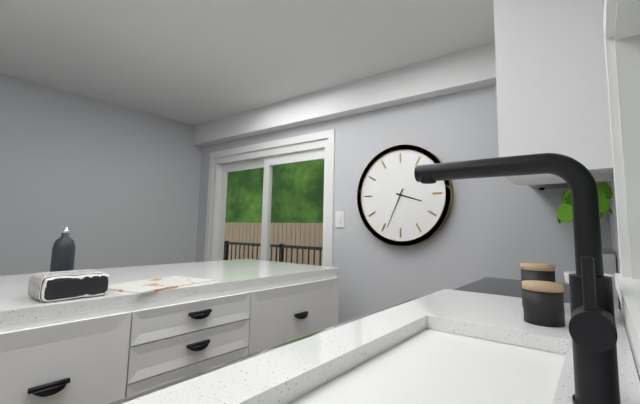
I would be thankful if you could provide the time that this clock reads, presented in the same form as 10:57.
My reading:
3:34
